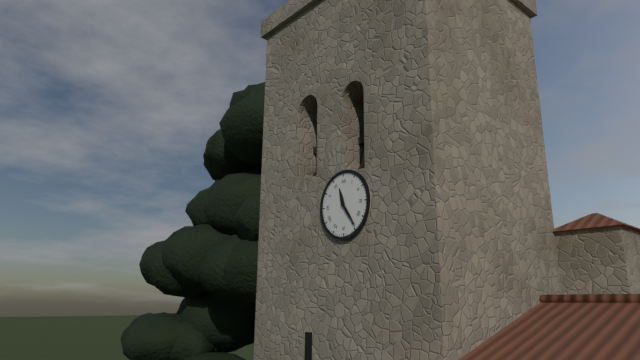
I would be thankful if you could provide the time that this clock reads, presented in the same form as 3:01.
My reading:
11:24
